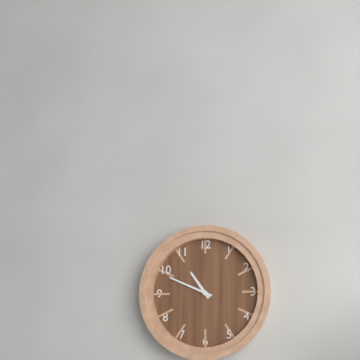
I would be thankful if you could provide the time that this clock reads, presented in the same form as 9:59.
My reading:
10:49
